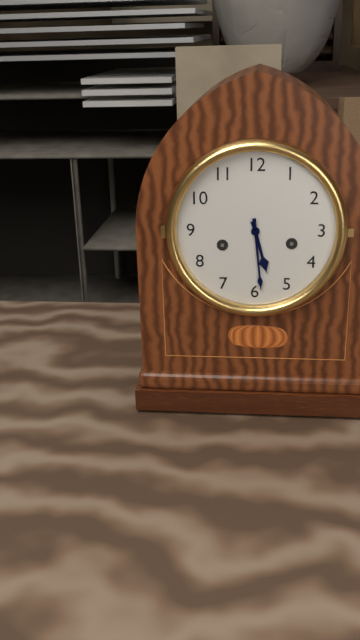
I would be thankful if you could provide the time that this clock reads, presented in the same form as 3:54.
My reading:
5:29
